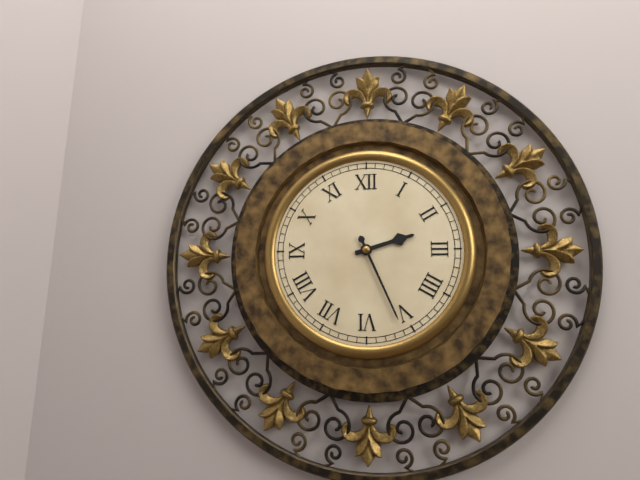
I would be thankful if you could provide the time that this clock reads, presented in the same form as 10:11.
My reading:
2:26
